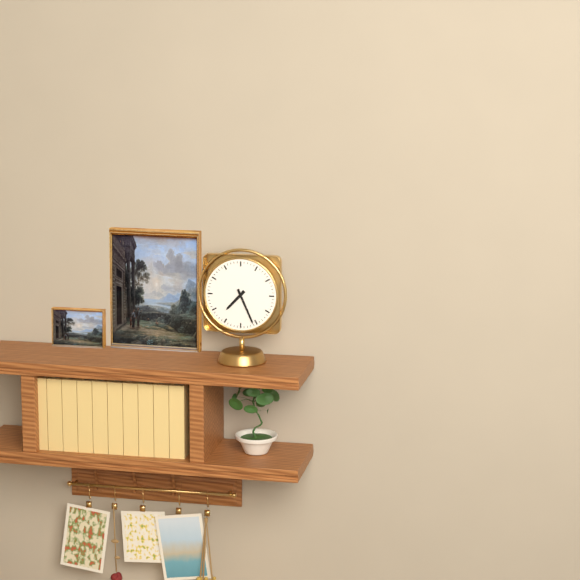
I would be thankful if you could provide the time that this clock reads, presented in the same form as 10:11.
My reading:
7:26
